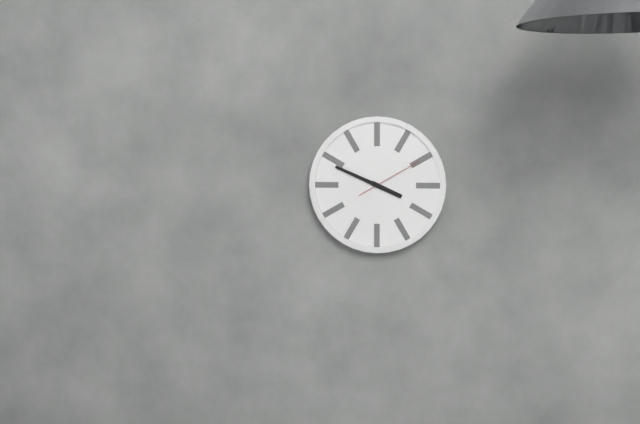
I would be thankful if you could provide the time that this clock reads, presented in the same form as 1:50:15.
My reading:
3:49:10
